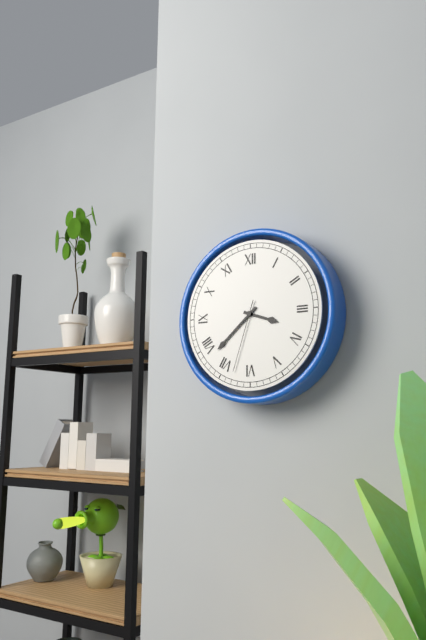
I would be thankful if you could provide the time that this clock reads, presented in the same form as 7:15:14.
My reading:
3:38:33
